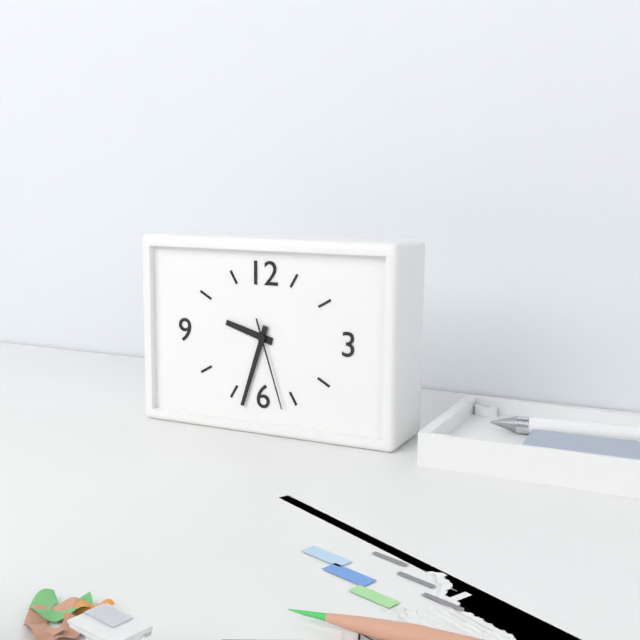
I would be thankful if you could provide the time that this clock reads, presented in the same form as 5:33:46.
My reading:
9:33:27
